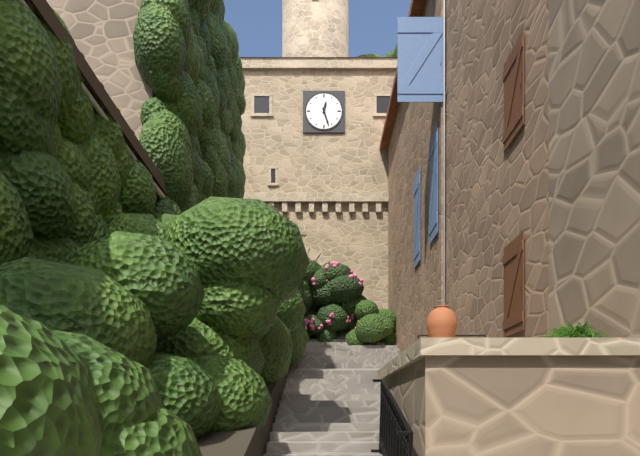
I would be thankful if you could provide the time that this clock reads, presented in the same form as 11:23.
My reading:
12:27
